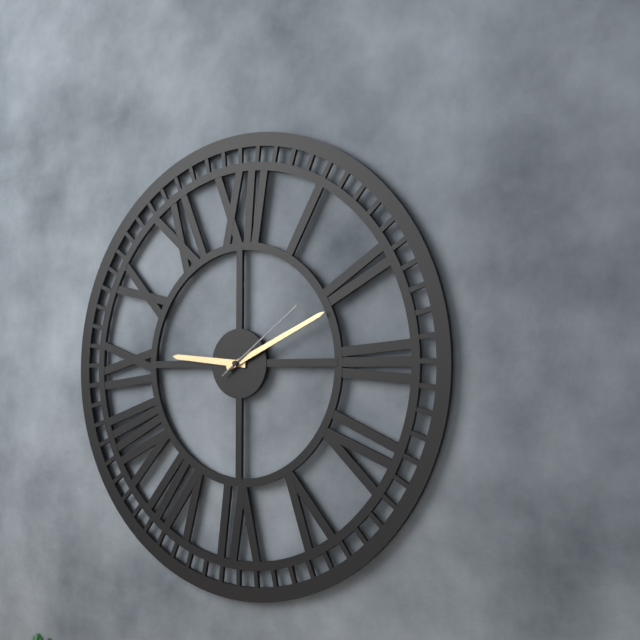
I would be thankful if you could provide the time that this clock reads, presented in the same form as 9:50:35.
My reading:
9:11:09
